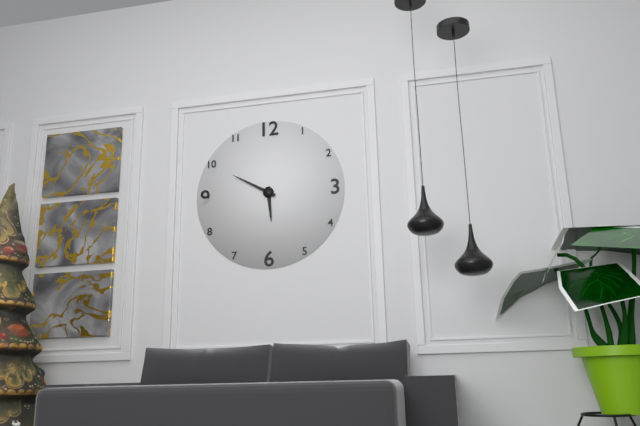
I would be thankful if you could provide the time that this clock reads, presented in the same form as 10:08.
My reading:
5:50
